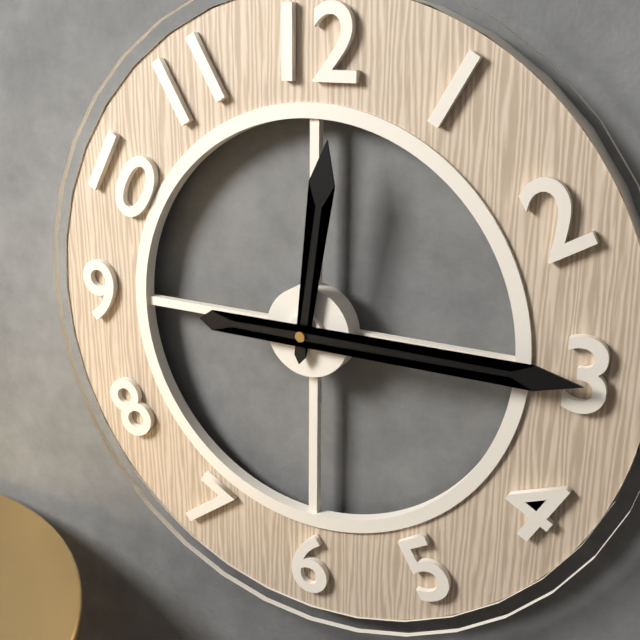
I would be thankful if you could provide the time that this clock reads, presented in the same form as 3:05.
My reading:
12:15
